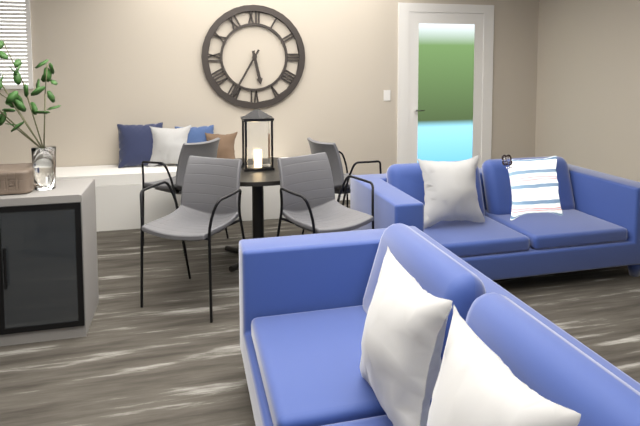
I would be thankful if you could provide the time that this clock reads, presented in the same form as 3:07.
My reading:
5:35
